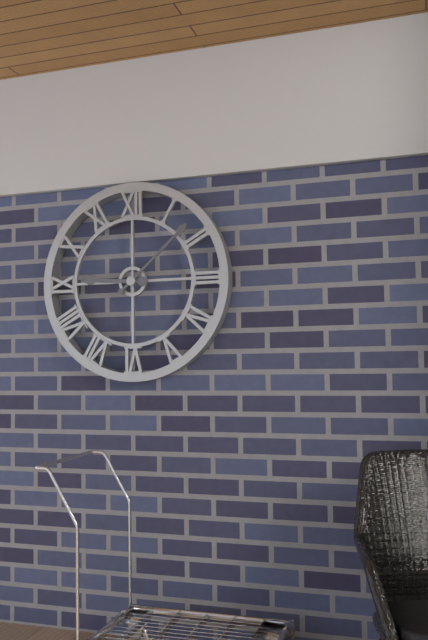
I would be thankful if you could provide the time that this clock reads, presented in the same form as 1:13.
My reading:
9:08
